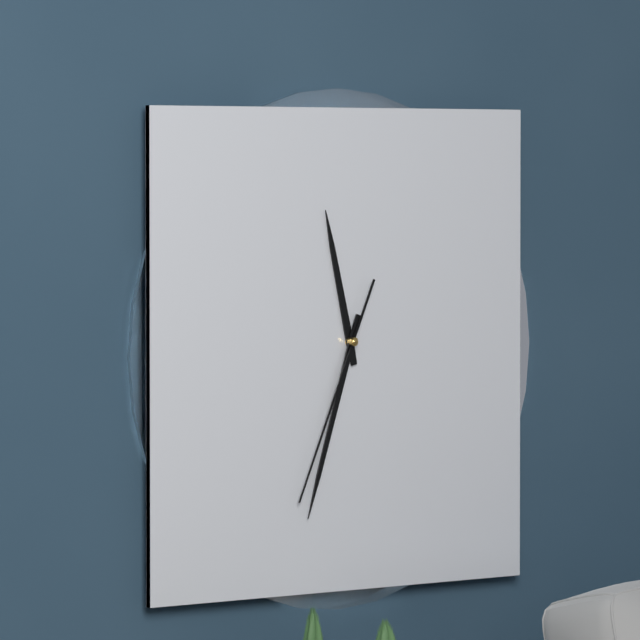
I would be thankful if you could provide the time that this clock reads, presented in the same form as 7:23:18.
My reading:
11:33:34
